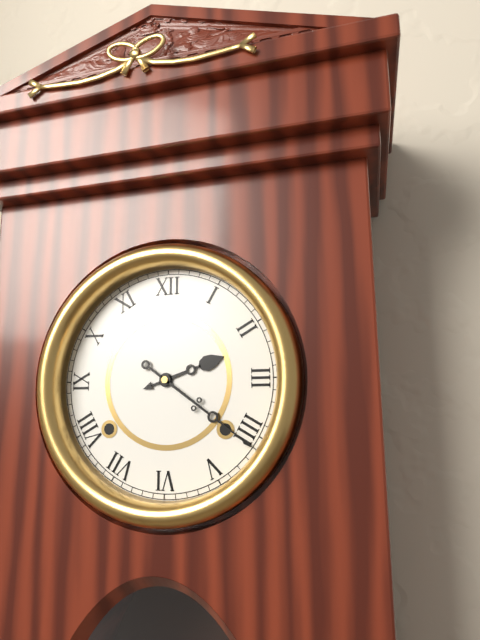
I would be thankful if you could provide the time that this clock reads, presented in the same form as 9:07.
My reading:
2:21
